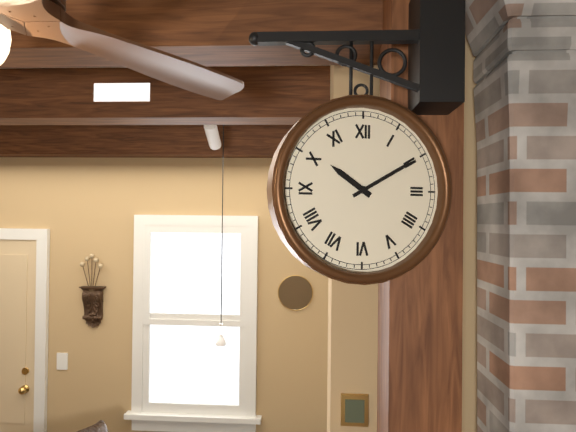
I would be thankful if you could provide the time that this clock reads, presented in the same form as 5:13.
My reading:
10:10
